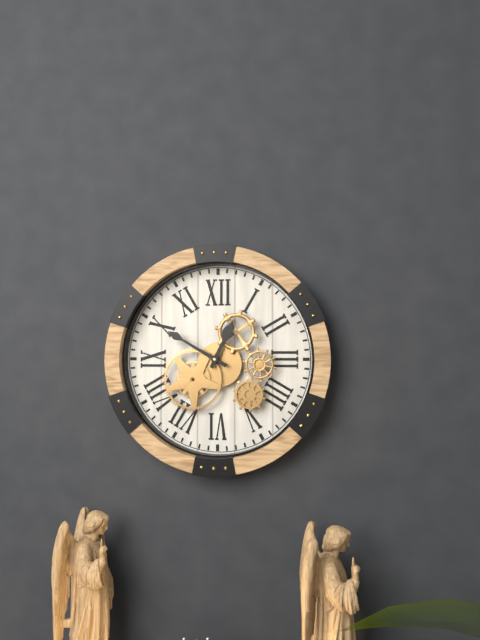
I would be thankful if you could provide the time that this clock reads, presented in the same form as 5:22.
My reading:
12:50
